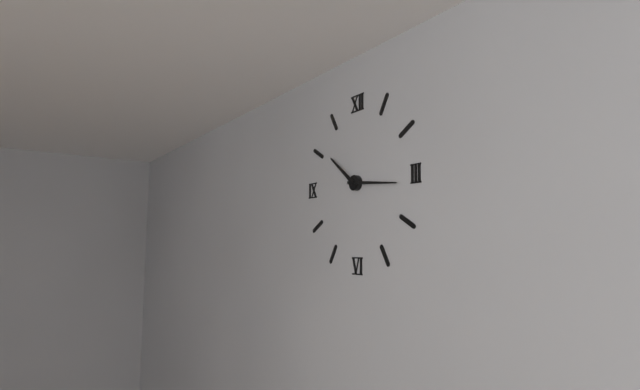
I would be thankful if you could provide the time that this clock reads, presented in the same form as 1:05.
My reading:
10:16
